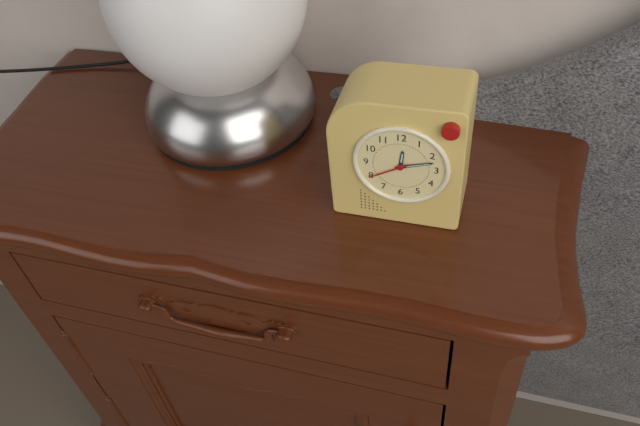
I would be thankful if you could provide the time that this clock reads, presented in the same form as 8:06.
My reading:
12:12
